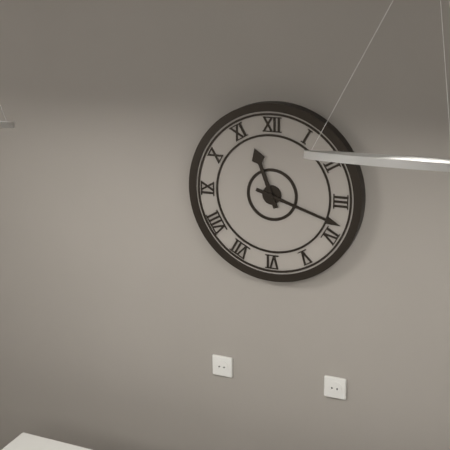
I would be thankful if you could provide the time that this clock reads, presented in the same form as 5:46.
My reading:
11:18
